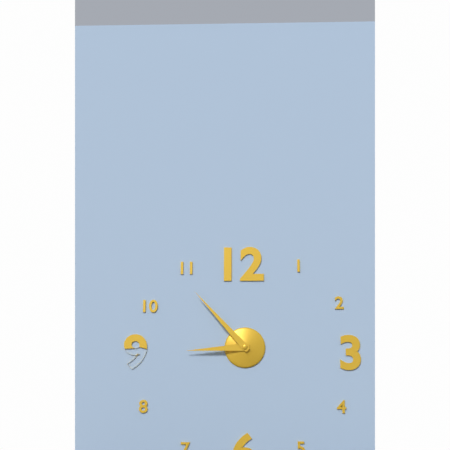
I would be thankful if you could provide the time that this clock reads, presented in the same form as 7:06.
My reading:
8:53
